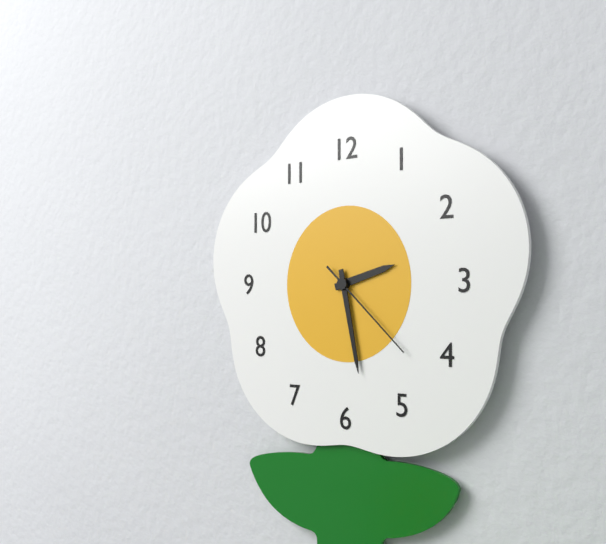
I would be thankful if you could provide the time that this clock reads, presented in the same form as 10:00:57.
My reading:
2:28:22
